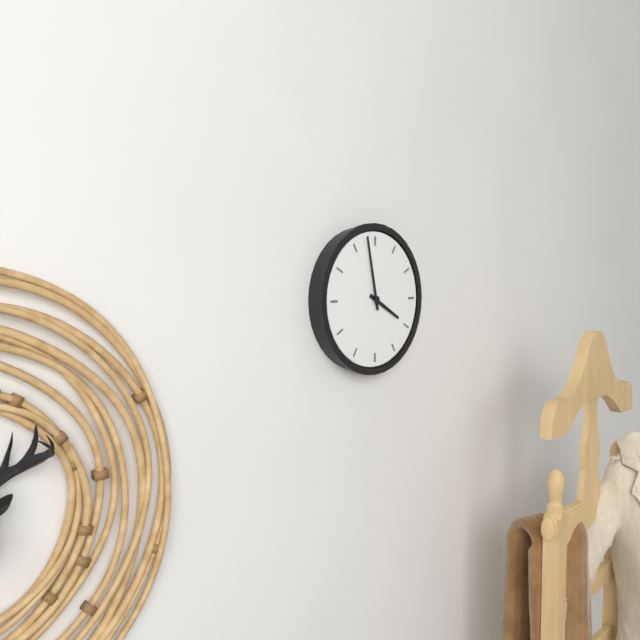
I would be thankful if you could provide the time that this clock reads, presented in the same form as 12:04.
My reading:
3:58
